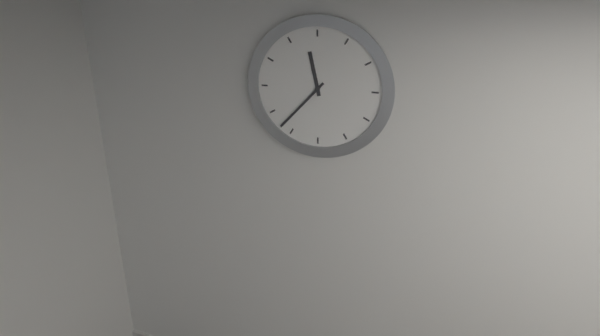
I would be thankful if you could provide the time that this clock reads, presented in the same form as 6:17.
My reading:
11:37
